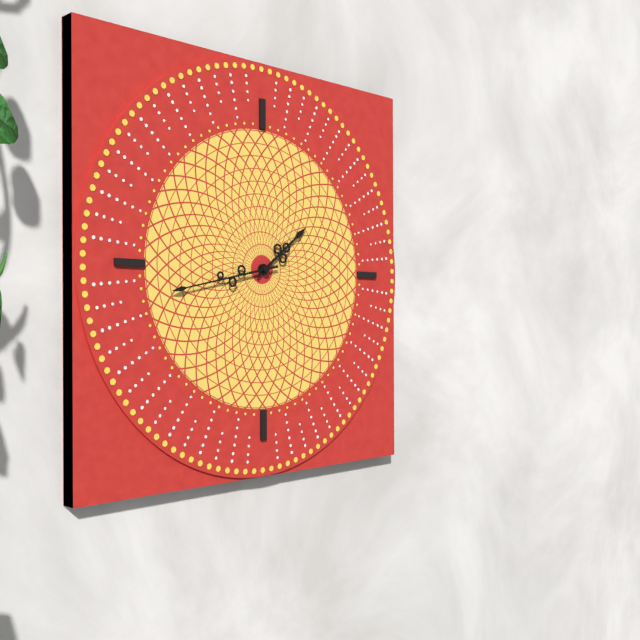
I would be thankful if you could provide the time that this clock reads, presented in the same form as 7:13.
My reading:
1:43
